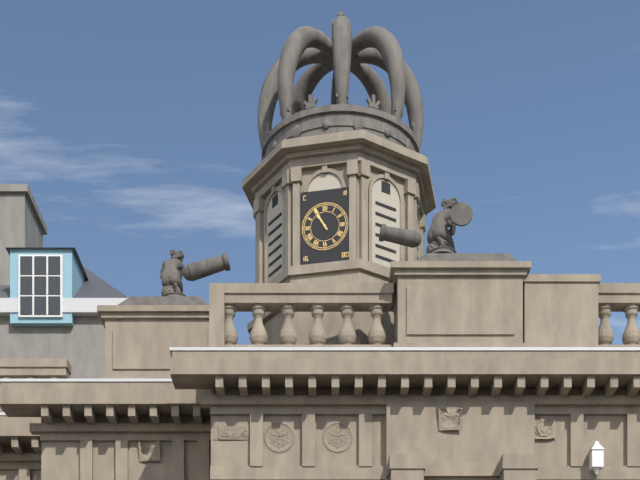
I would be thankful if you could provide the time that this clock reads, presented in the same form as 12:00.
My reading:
10:55
